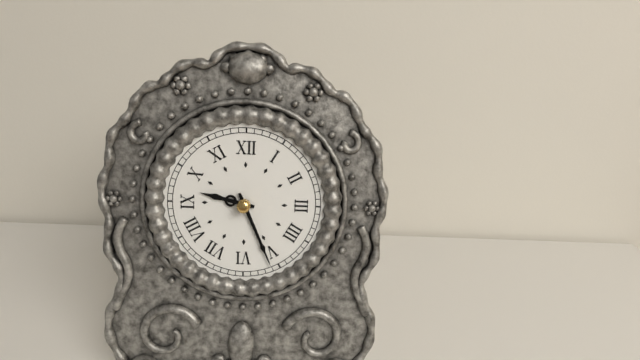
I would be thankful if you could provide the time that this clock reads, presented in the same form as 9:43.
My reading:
9:26
